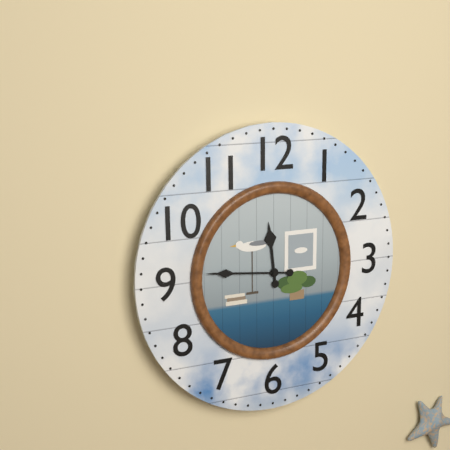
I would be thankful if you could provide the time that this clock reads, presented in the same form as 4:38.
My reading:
11:46
